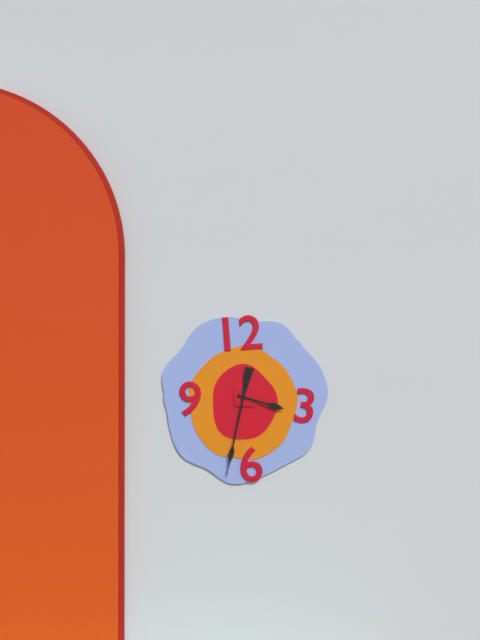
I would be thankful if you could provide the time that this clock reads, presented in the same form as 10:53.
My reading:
3:32
